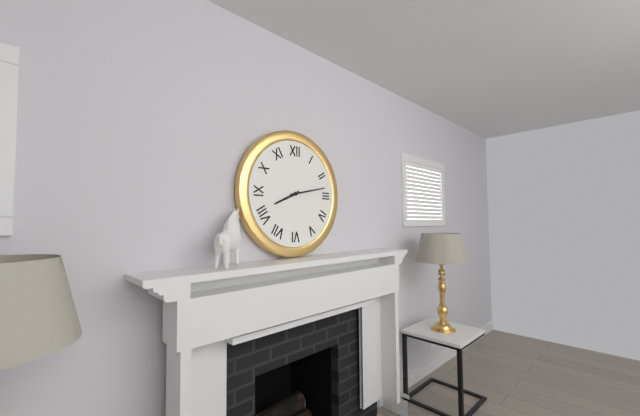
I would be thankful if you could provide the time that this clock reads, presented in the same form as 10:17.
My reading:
8:13
